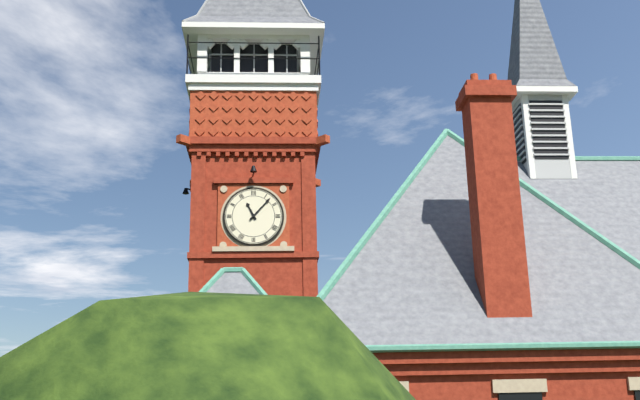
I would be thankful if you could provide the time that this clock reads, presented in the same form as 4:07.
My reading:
11:07
